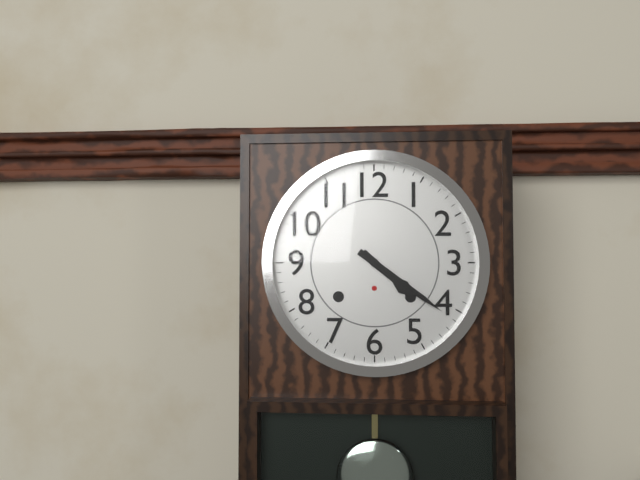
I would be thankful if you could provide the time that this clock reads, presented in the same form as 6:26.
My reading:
4:21
